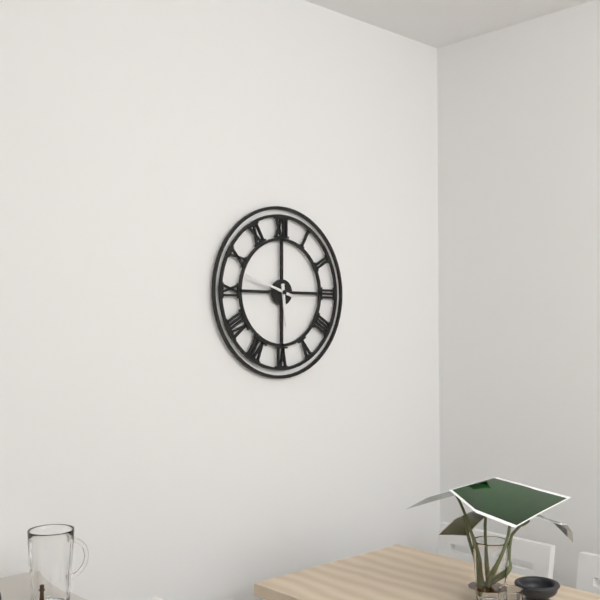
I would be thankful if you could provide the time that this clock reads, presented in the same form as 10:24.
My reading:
5:48
